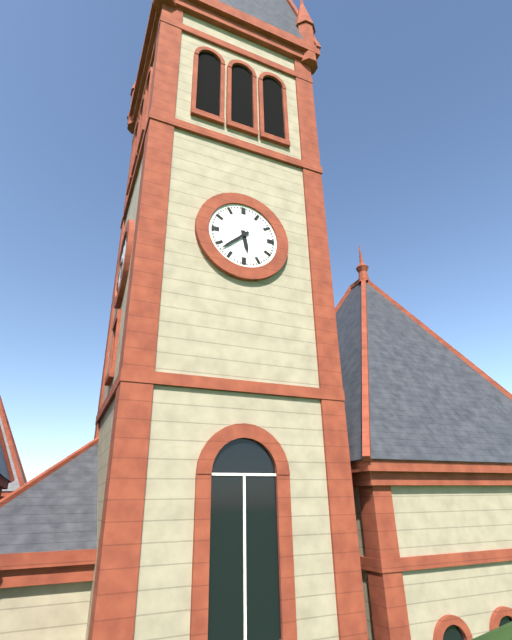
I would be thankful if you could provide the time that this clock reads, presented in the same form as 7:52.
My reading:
5:38
